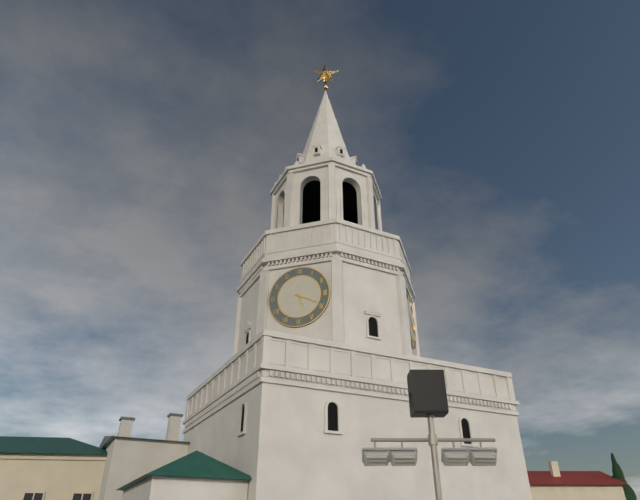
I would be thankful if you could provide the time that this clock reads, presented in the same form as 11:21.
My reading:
5:19
